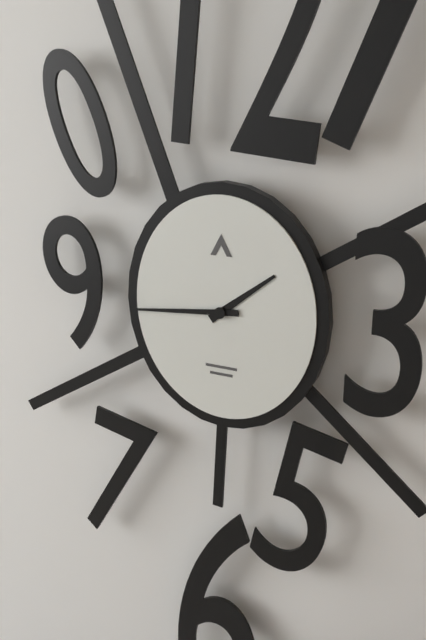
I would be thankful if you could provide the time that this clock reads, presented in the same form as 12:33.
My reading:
1:44
